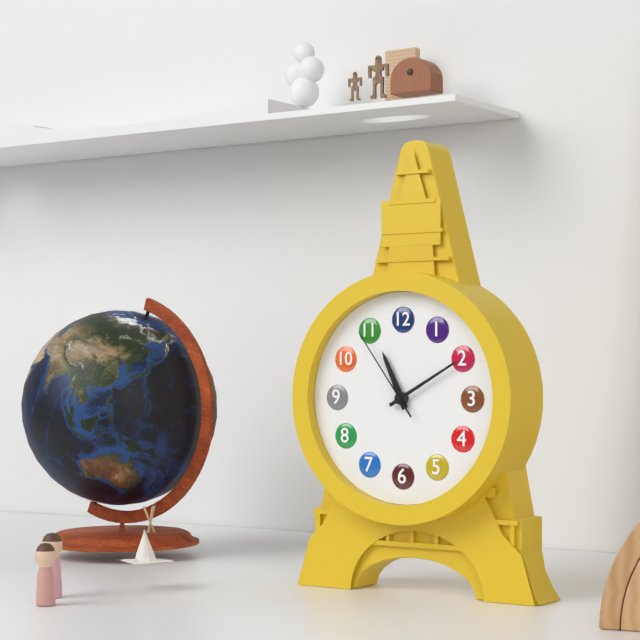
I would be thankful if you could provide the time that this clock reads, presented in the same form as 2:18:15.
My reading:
11:10:54
